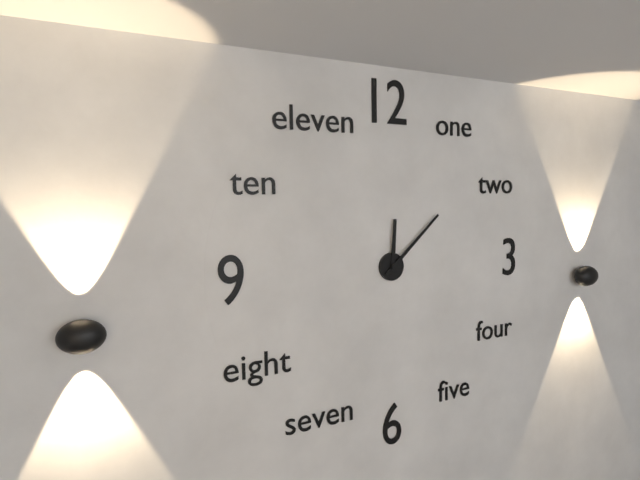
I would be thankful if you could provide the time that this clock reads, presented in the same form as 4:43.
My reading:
12:08
